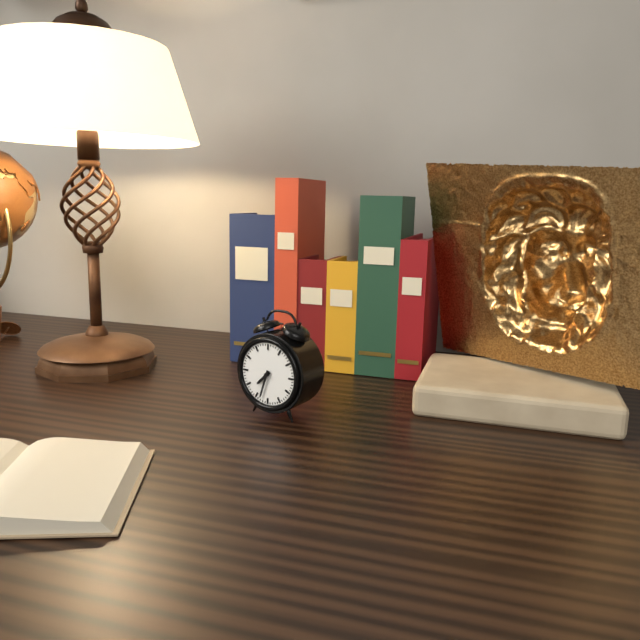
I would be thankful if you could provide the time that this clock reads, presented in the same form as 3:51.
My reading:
7:33
